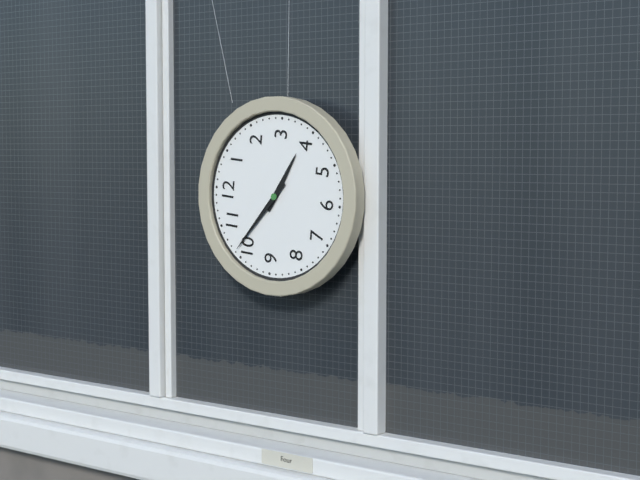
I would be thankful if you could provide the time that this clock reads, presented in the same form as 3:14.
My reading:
3:51
